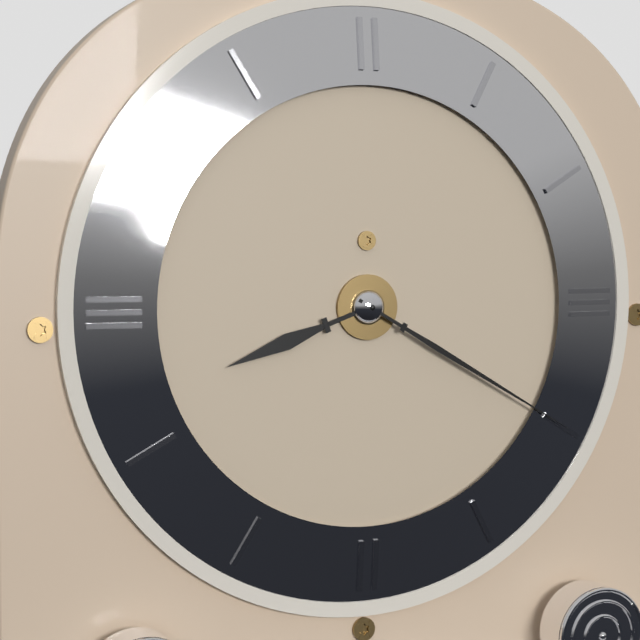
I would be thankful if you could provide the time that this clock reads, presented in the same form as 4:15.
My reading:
8:20
